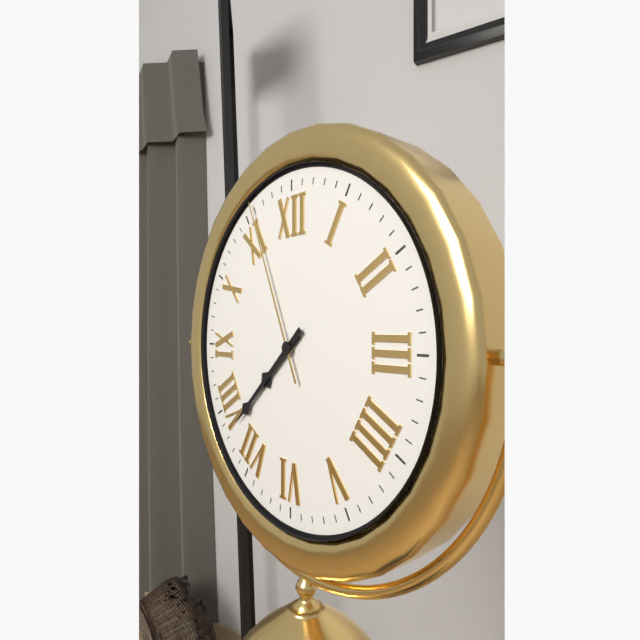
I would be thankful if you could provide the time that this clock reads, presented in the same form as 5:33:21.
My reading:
7:38:56
